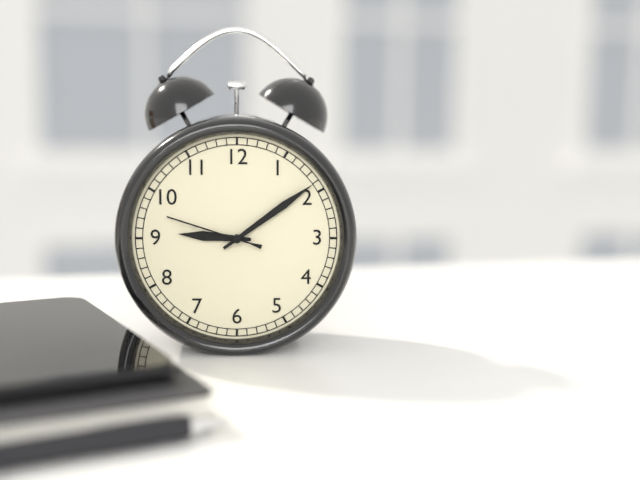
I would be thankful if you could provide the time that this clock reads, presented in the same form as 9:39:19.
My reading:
9:09:48
